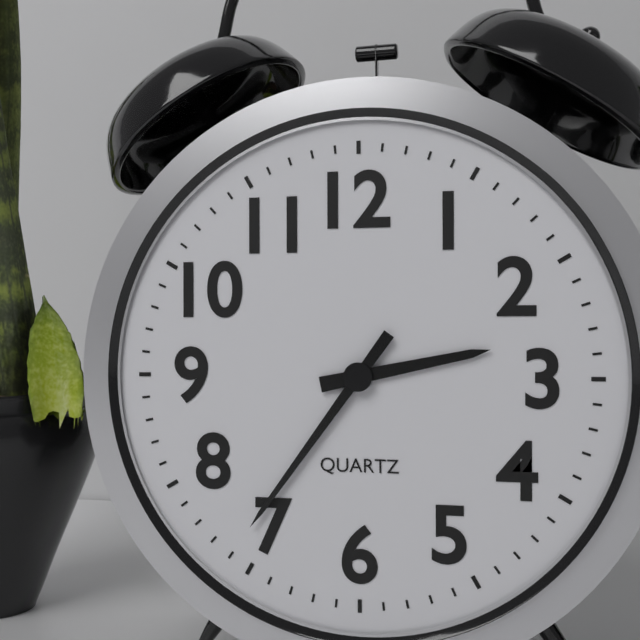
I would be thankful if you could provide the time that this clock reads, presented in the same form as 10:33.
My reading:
2:36
